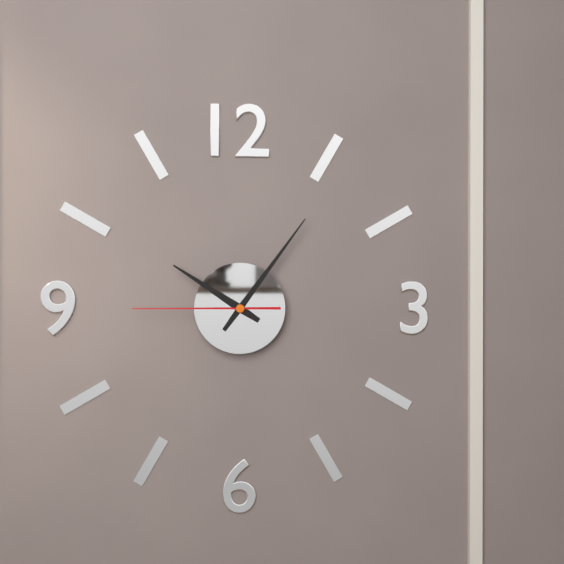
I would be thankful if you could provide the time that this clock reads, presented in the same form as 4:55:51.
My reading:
10:06:45
